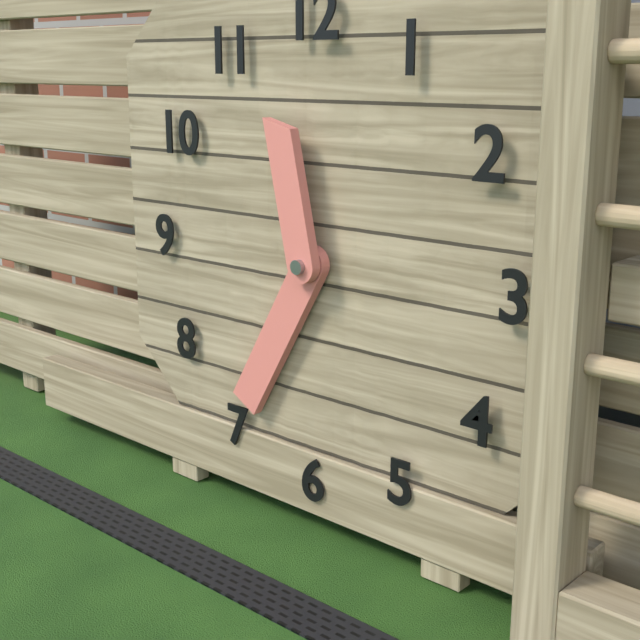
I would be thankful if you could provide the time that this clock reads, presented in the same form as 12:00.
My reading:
11:35
